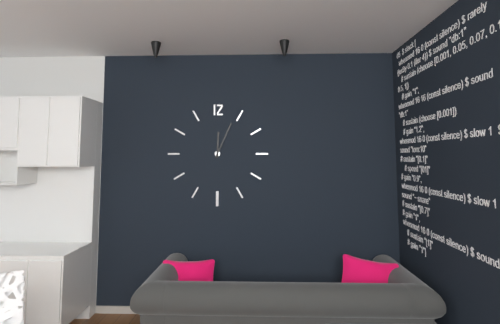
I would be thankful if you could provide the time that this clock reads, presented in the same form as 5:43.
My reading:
12:04
